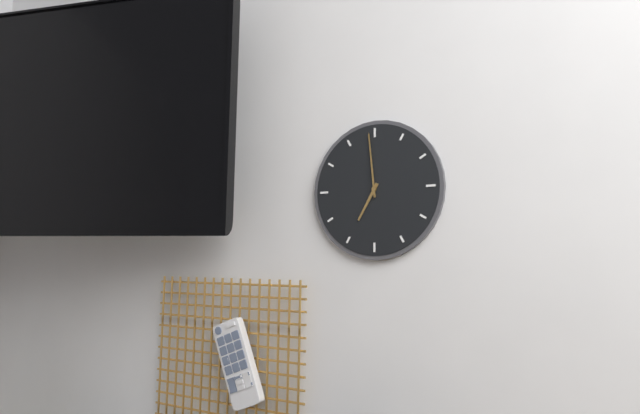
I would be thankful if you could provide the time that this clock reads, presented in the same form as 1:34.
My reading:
6:59
